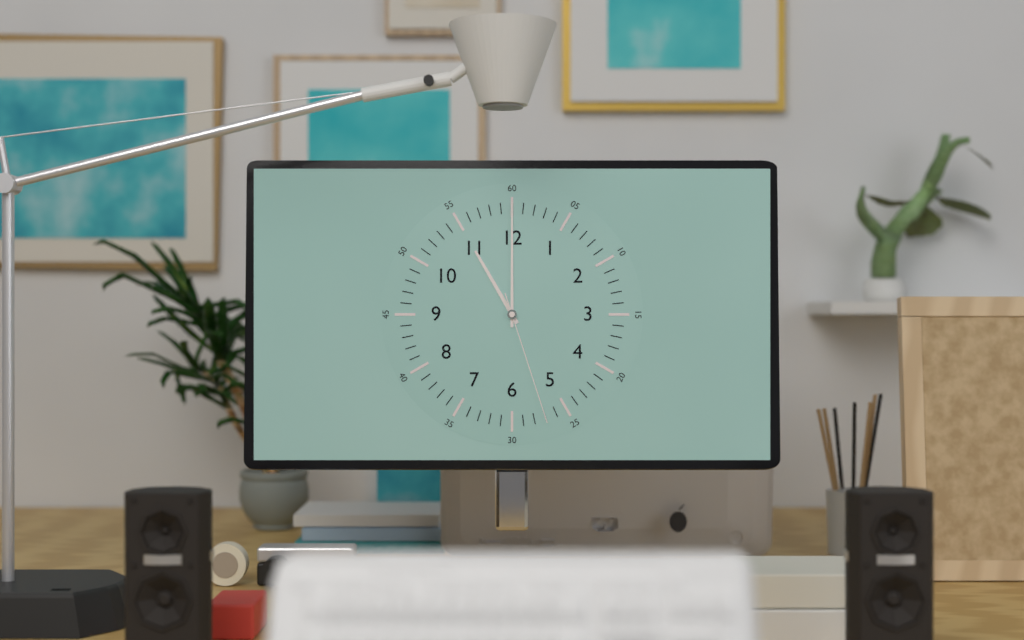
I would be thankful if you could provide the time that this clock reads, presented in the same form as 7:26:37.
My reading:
11:00:27
